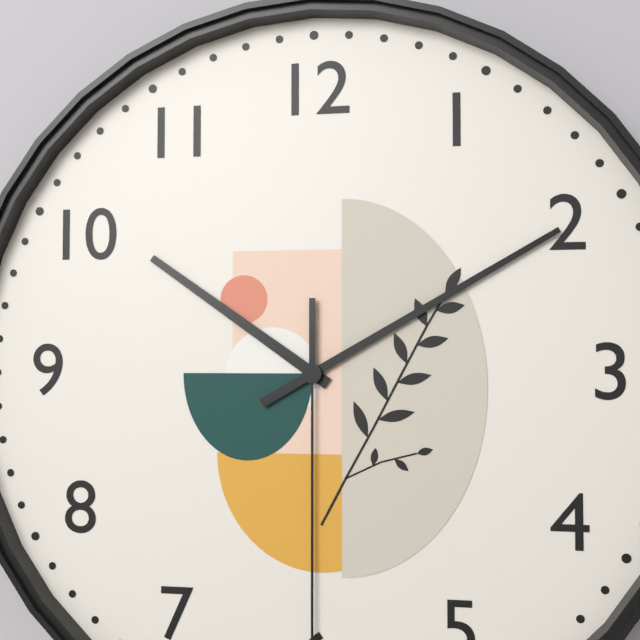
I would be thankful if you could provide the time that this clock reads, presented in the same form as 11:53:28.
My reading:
10:10:30
